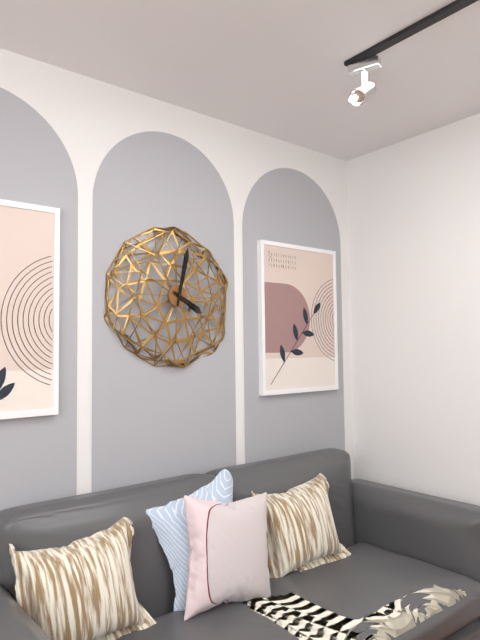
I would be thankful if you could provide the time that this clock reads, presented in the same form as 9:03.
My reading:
4:02
